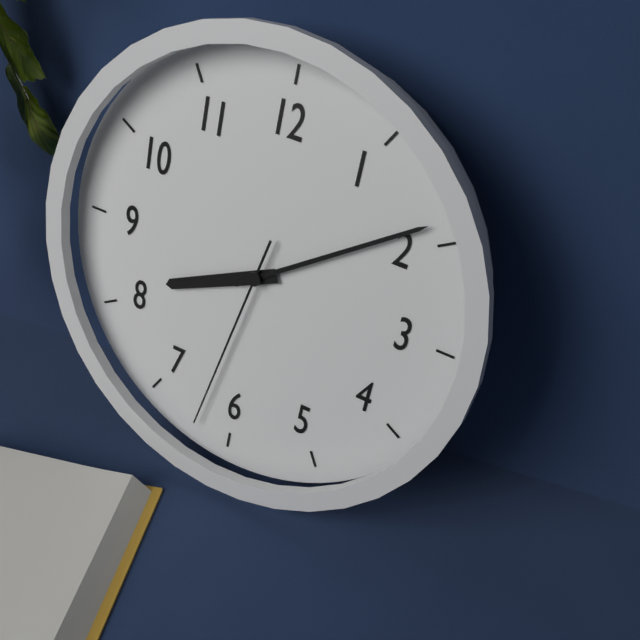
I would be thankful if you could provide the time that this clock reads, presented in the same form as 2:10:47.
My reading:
8:09:32
